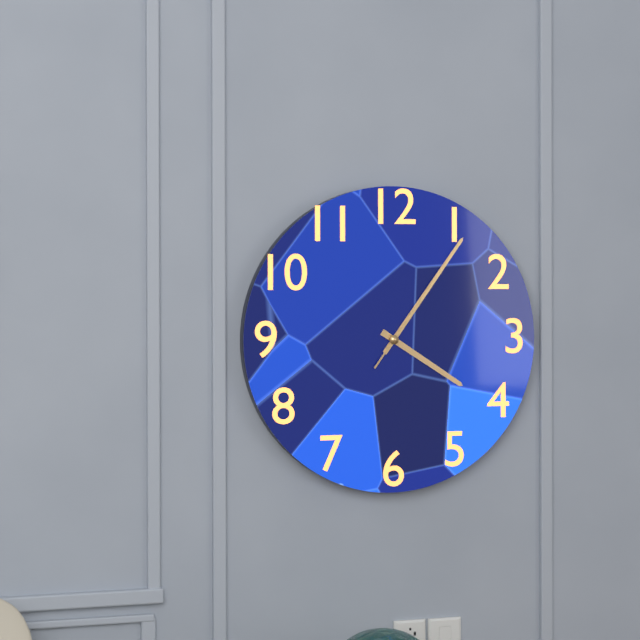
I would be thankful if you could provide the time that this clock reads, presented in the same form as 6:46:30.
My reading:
4:06:06
